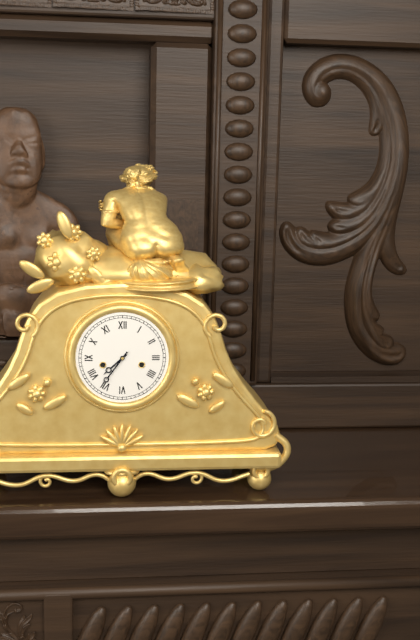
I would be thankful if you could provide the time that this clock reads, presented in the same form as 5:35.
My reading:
7:36
